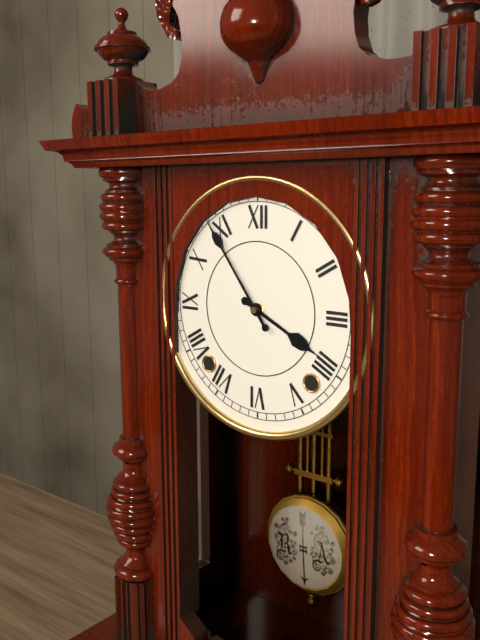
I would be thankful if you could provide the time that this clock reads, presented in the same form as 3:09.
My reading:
3:54
